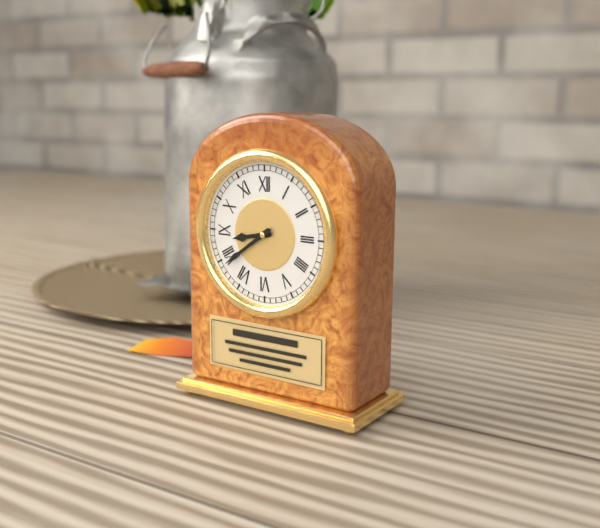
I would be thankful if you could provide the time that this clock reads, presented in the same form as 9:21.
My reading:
8:39
